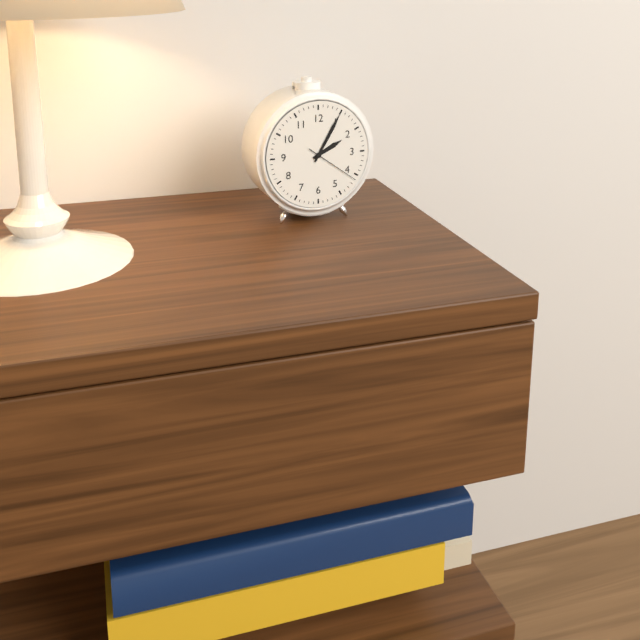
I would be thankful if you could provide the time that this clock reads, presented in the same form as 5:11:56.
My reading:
2:05:21
